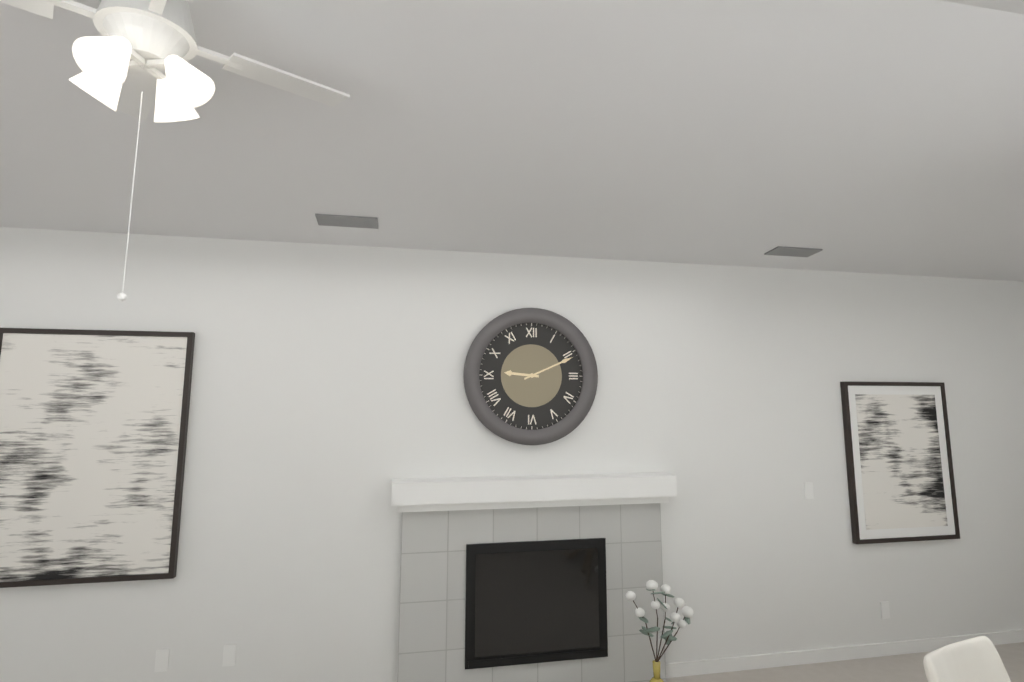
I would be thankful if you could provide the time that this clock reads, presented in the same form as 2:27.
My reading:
9:11
